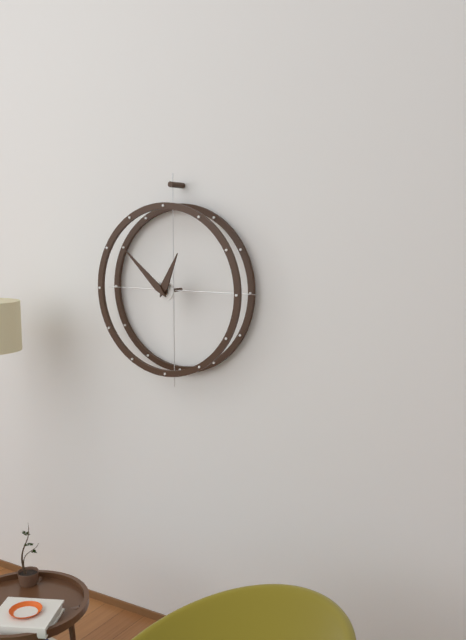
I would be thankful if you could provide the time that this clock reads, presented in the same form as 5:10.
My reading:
12:52
